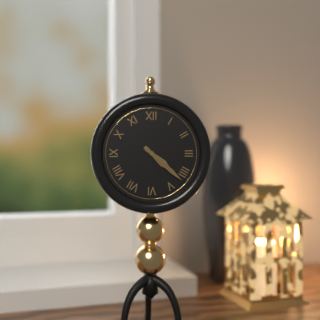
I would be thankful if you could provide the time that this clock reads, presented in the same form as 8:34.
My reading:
4:22
